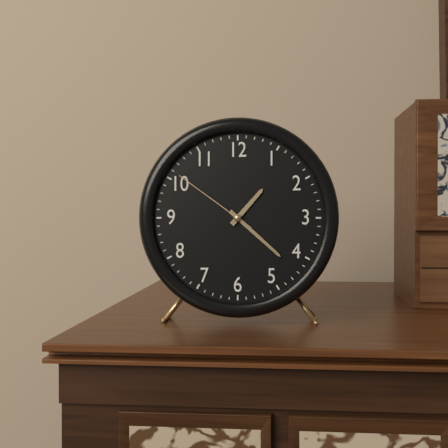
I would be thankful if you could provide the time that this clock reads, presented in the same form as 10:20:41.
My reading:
1:22:51
